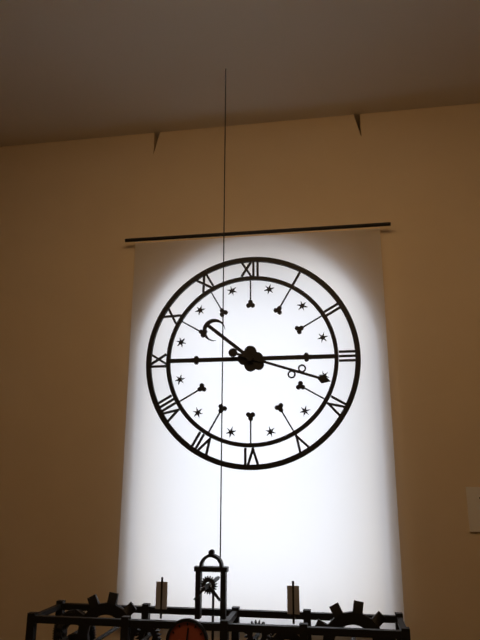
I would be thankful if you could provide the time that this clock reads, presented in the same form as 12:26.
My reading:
10:18
